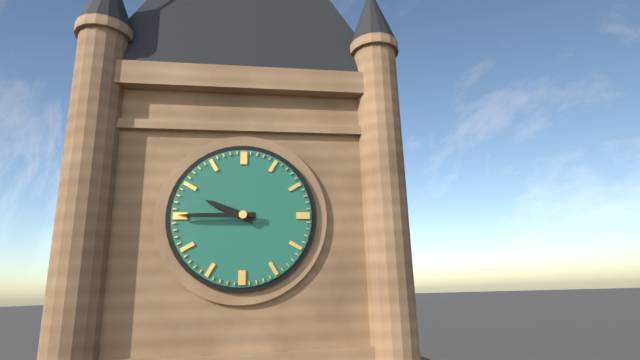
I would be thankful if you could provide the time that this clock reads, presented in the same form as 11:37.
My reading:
9:45
